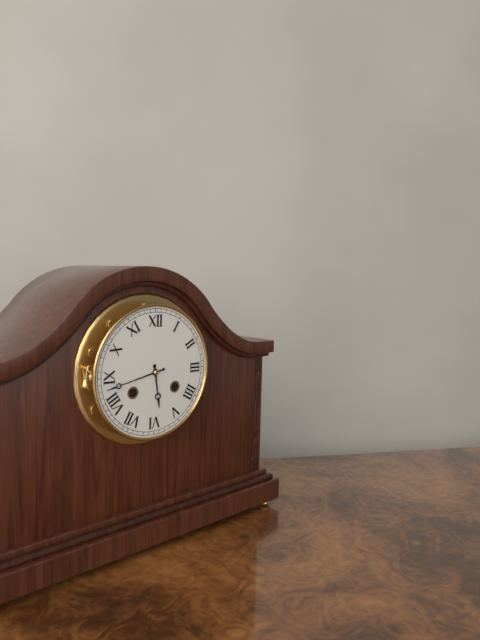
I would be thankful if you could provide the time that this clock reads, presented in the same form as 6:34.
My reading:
5:43
